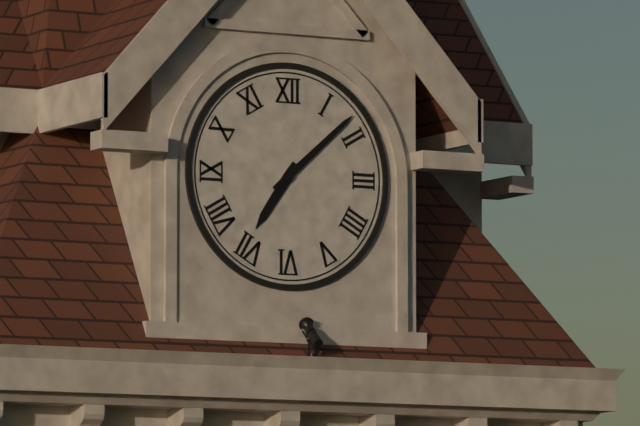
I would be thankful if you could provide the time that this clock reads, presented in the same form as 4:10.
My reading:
7:08
